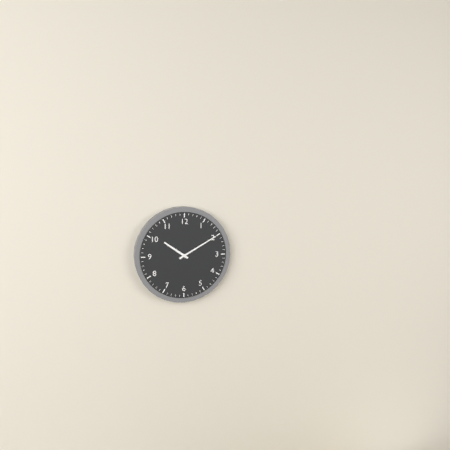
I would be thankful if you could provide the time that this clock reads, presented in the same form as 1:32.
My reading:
10:10
